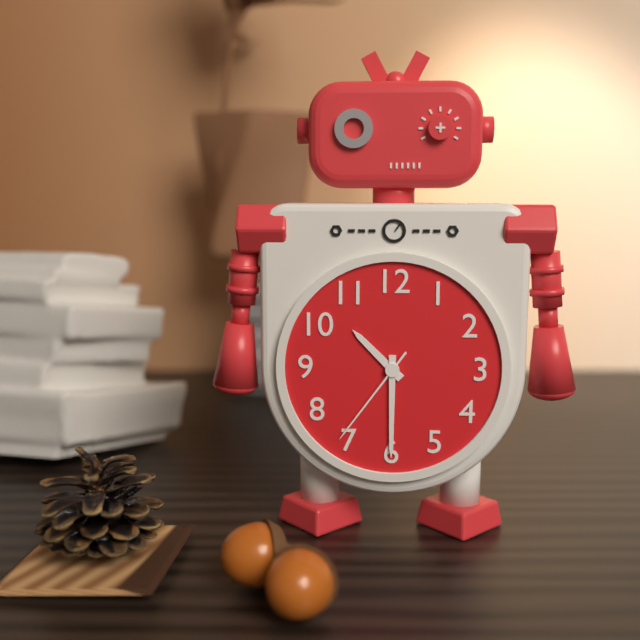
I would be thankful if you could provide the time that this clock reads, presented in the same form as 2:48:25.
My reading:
10:30:36
